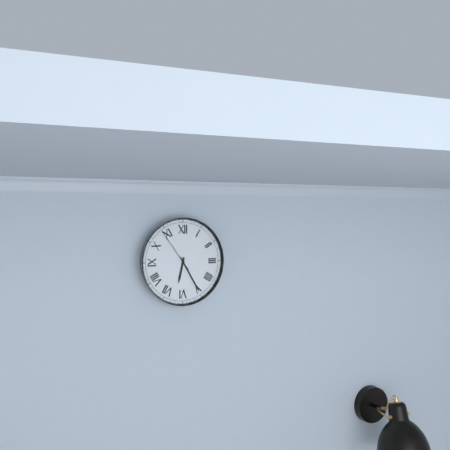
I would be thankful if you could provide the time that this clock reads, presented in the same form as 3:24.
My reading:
6:25
